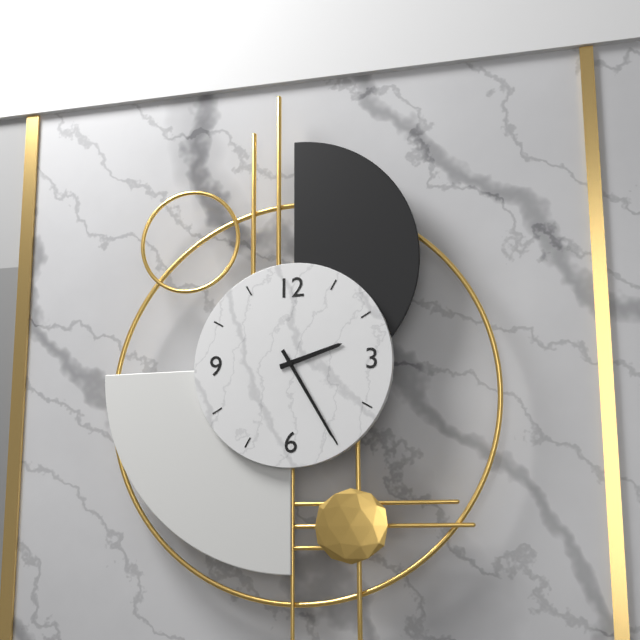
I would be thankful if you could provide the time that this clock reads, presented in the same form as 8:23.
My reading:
2:25
